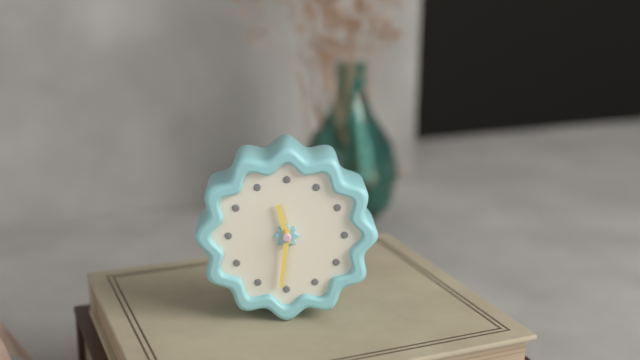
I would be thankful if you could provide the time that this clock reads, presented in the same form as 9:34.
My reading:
11:31
